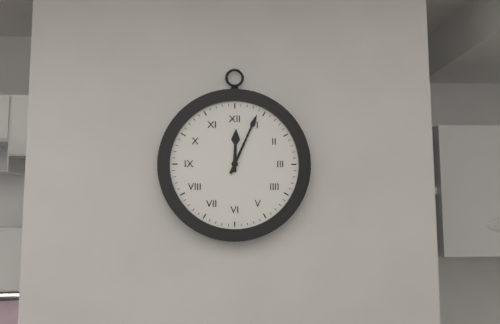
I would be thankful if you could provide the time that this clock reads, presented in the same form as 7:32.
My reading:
12:04
